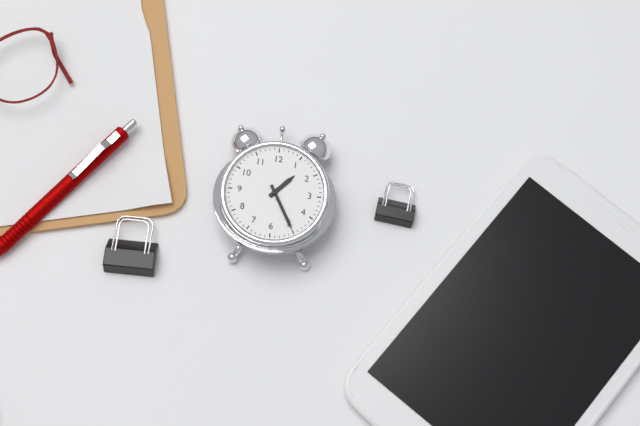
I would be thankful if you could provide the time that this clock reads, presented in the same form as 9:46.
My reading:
1:25
